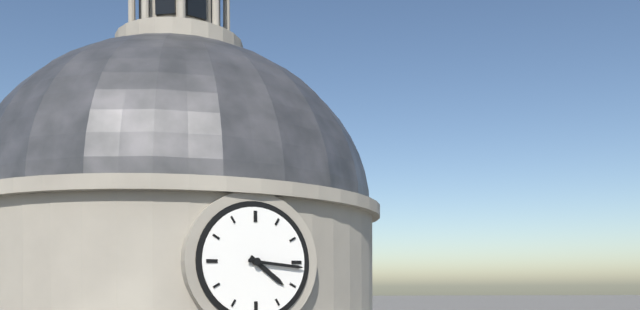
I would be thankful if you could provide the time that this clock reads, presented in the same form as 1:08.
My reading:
4:16
